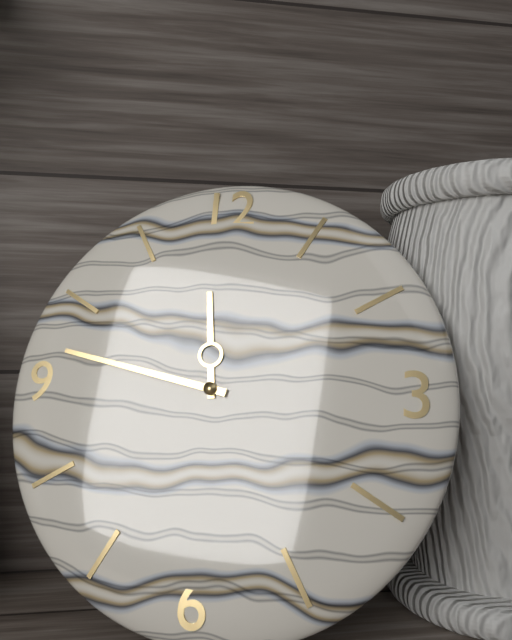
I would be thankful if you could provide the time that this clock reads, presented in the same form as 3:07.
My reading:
11:47
